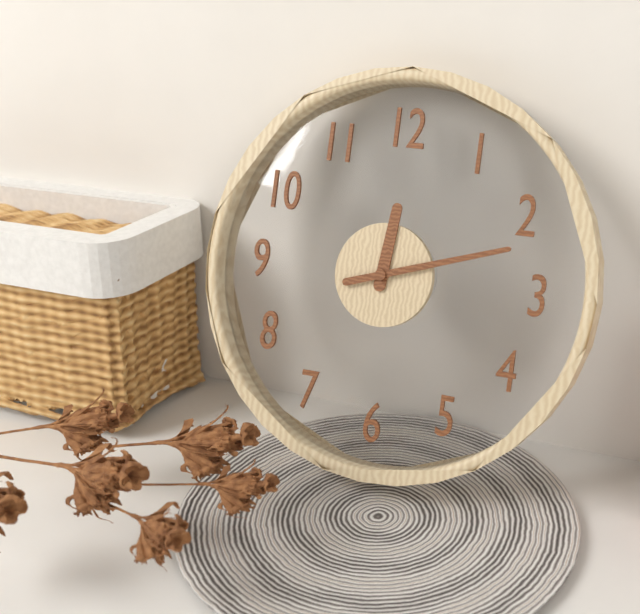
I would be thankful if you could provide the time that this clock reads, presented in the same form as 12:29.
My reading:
12:12
